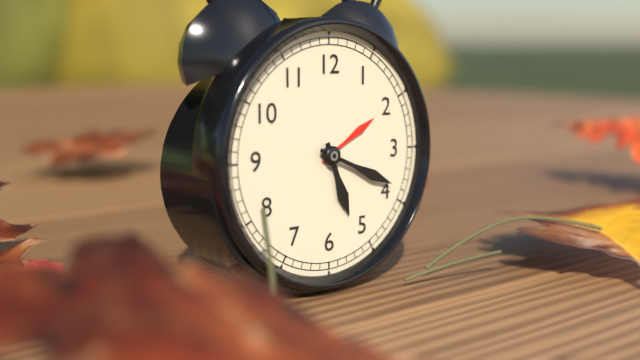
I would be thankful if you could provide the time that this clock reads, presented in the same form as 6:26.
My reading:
5:19
